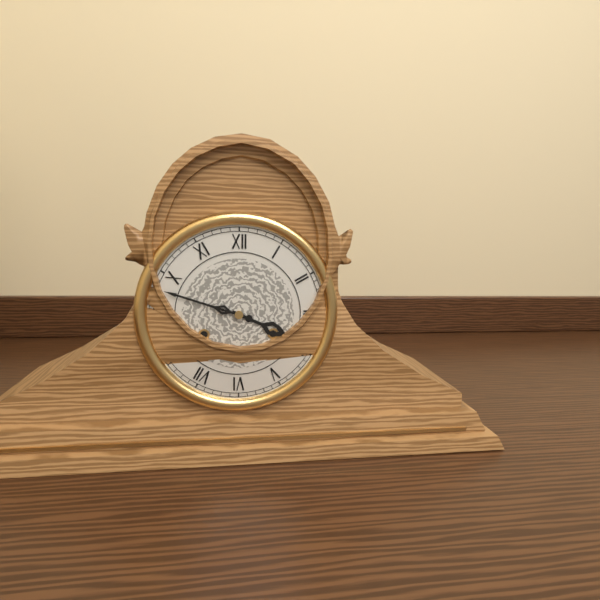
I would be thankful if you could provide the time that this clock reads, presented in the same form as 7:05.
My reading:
3:48
